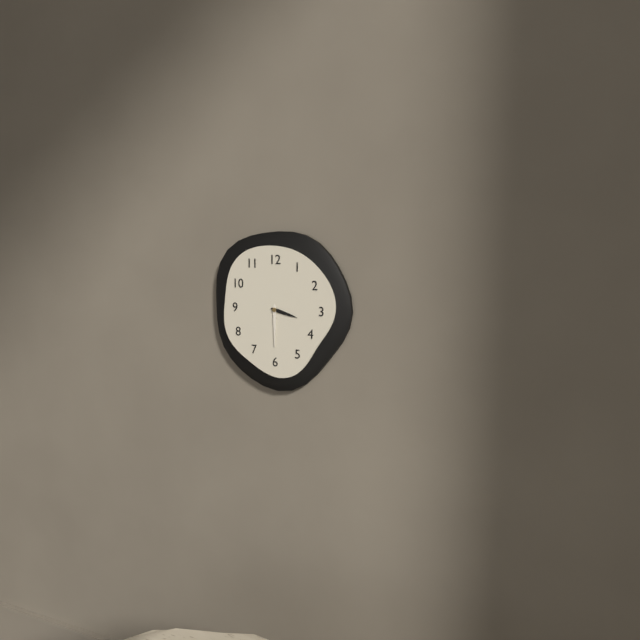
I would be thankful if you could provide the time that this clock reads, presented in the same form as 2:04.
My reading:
3:30
